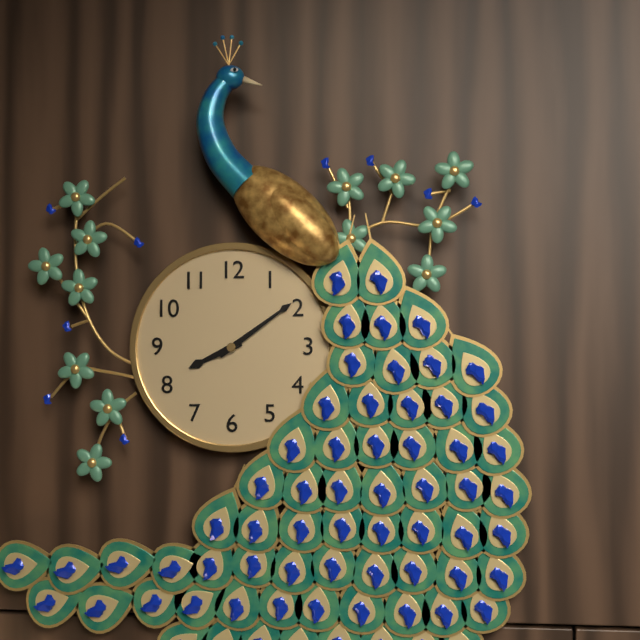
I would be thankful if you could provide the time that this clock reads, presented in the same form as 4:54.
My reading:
8:09
